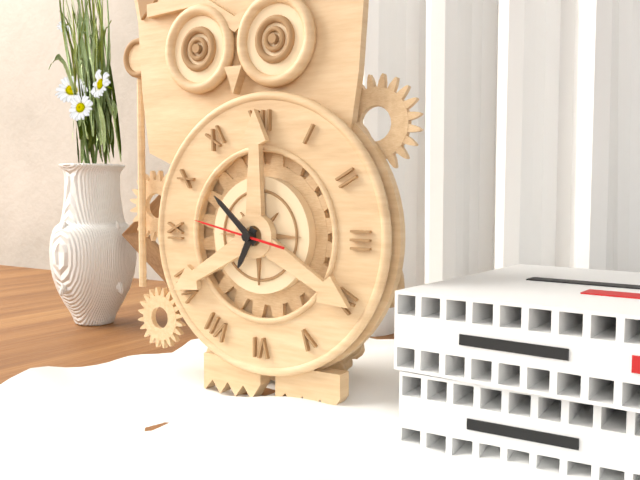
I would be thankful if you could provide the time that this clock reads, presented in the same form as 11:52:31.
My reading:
6:52:47
